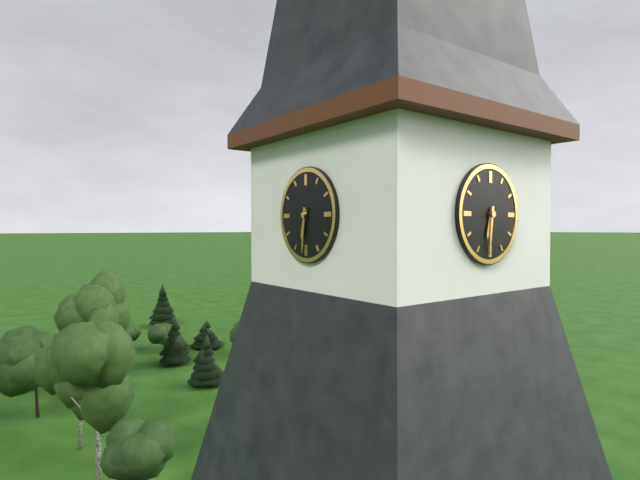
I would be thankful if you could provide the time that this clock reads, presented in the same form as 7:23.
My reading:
6:31
